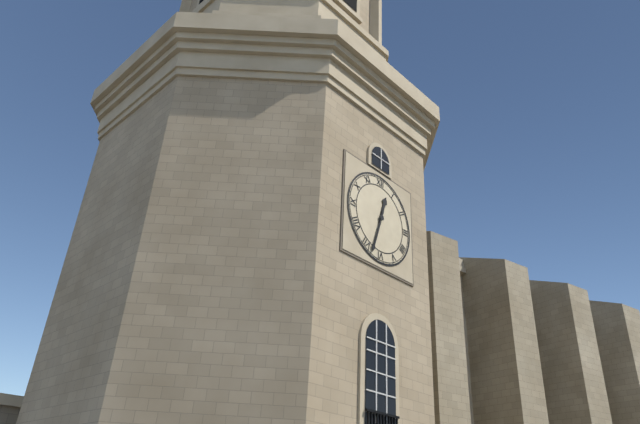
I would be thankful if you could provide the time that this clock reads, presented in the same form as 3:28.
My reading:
12:33
